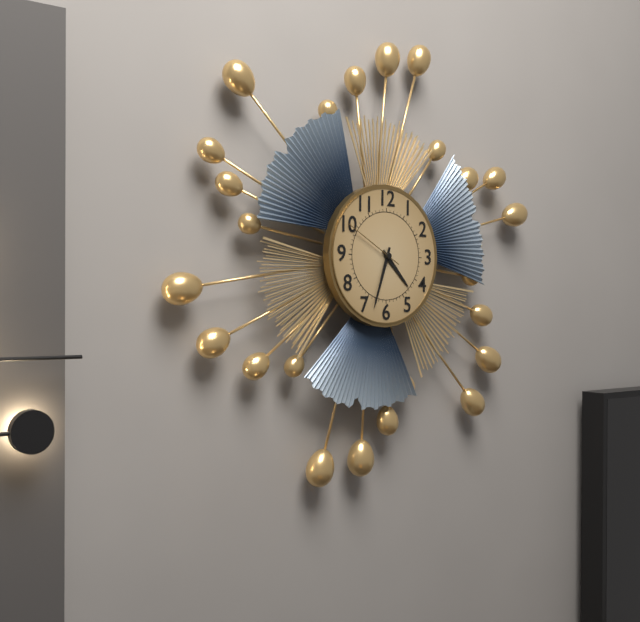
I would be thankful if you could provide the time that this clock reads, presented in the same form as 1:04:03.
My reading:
4:33:50
